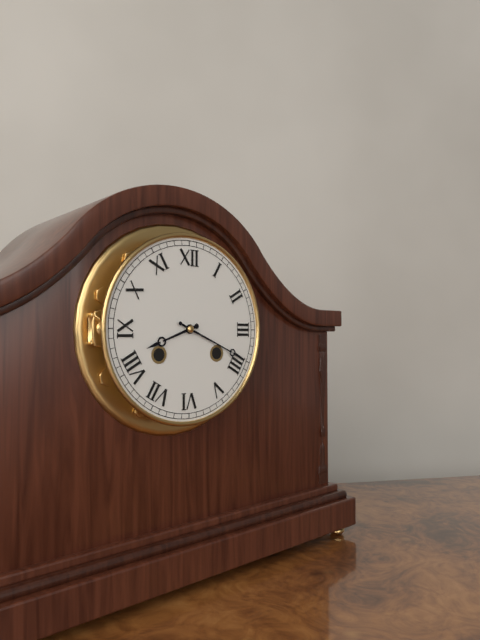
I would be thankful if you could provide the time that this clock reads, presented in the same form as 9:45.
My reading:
8:19
